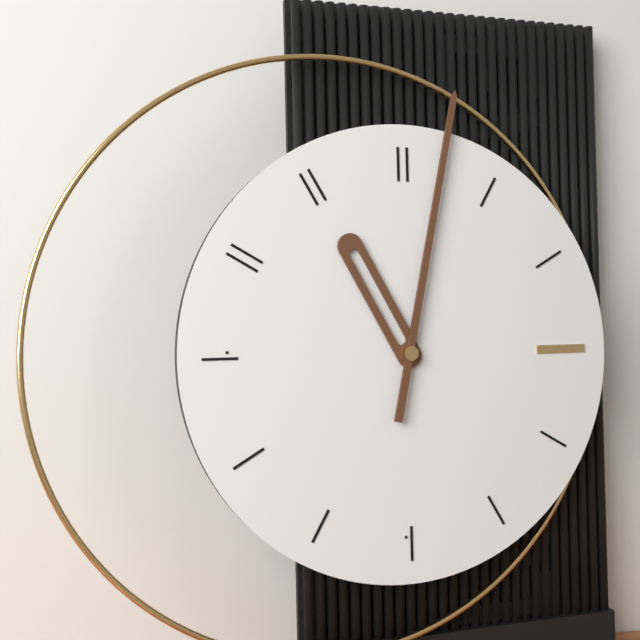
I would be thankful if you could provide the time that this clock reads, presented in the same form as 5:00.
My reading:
11:02
